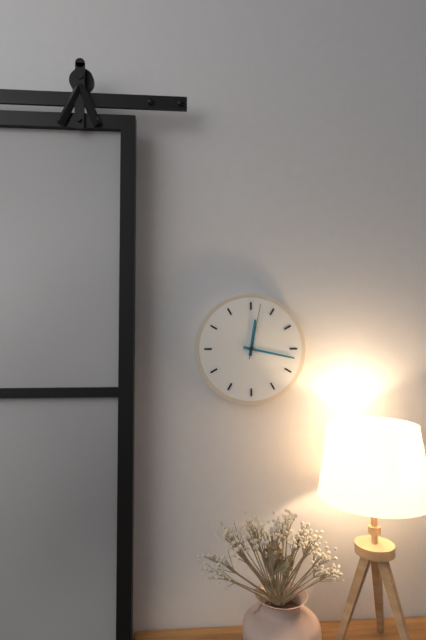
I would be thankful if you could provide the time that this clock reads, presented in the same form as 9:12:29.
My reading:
12:17:02
